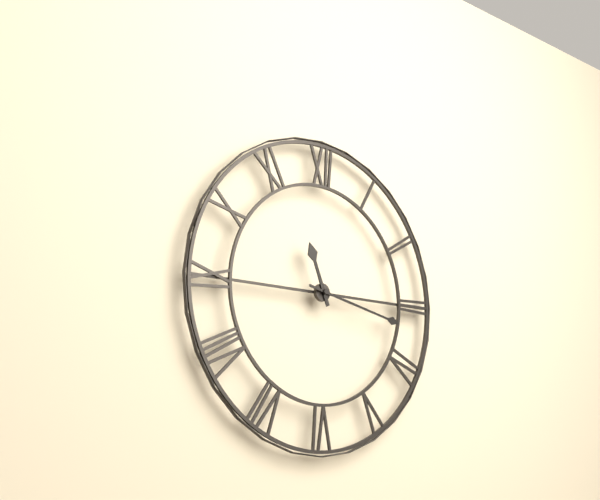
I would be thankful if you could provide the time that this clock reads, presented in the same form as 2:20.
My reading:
11:17
